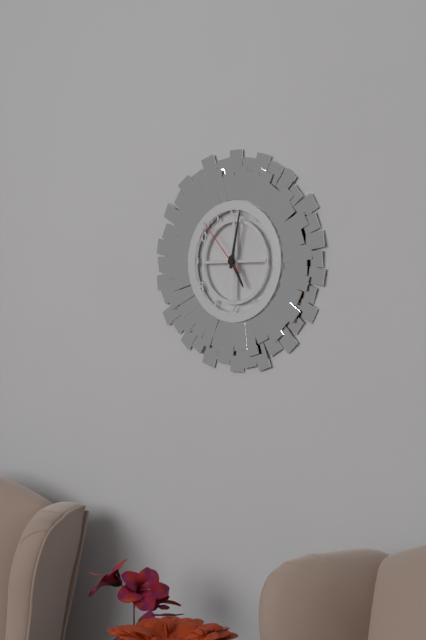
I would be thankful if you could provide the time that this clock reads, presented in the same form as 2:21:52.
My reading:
5:02:53
